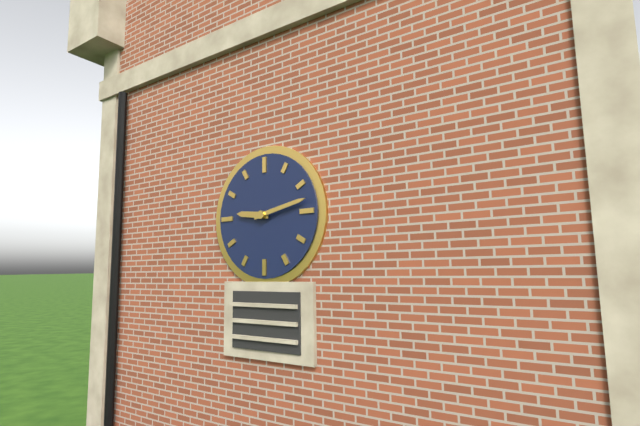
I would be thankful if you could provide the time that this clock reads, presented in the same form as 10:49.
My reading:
9:13
